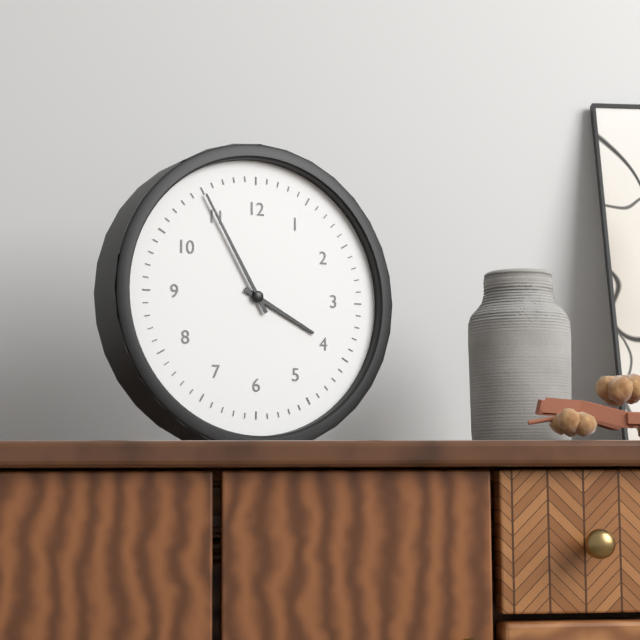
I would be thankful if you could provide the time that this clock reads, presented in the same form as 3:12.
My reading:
3:55
